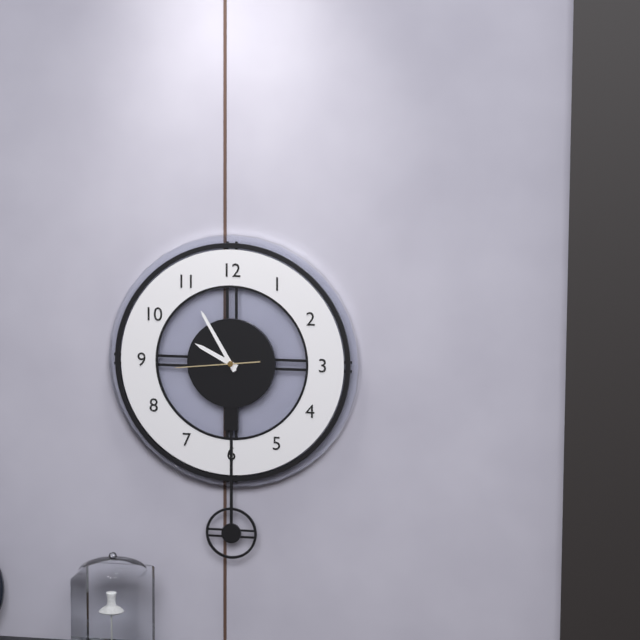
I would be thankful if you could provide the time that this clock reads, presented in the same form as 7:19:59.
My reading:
9:55:44
